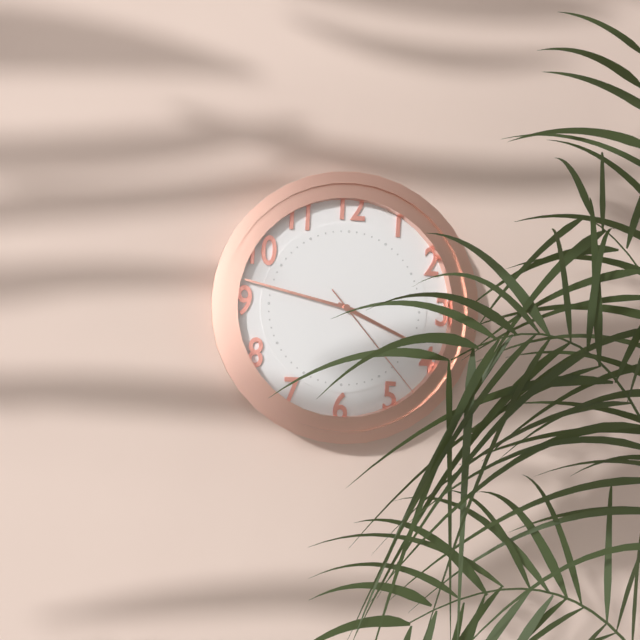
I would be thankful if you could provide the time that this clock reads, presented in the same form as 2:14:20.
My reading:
3:47:23
